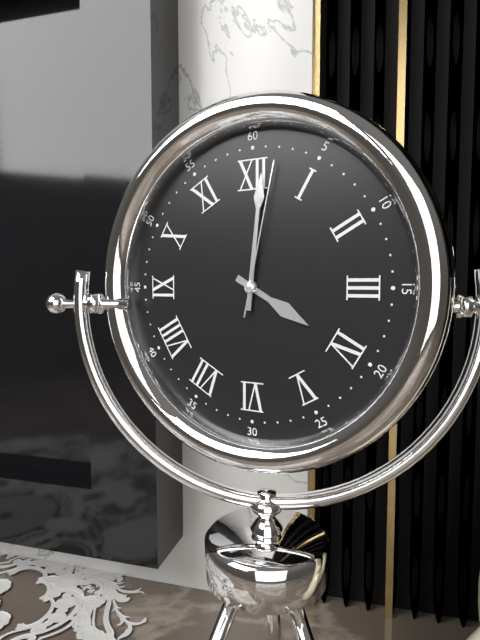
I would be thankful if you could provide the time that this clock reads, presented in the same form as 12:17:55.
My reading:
4:01:02
